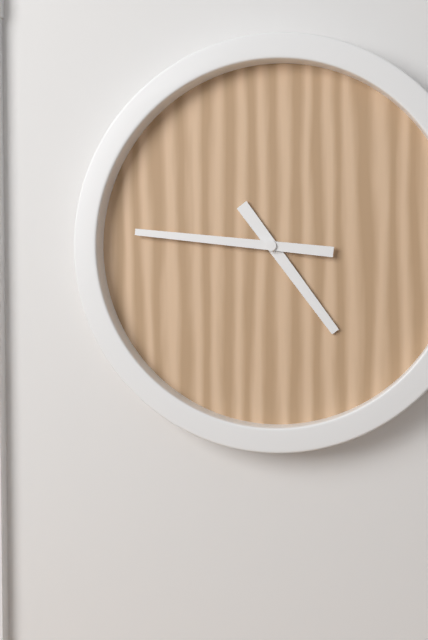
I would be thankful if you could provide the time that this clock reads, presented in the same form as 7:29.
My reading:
4:46
